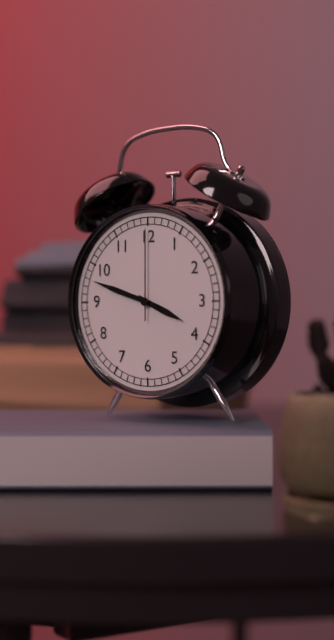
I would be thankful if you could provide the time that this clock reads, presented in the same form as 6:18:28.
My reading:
3:48:00
